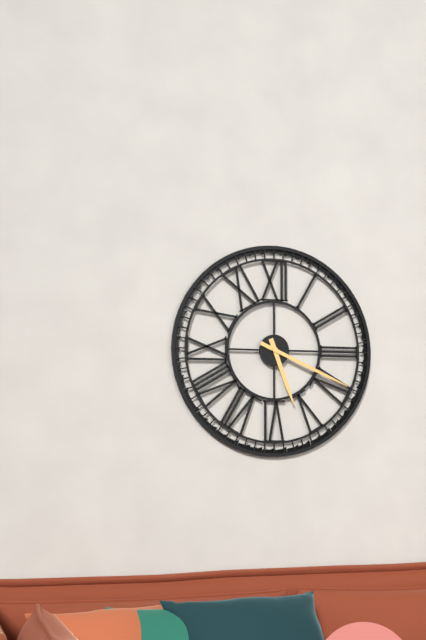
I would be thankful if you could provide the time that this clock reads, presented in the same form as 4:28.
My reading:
5:19
